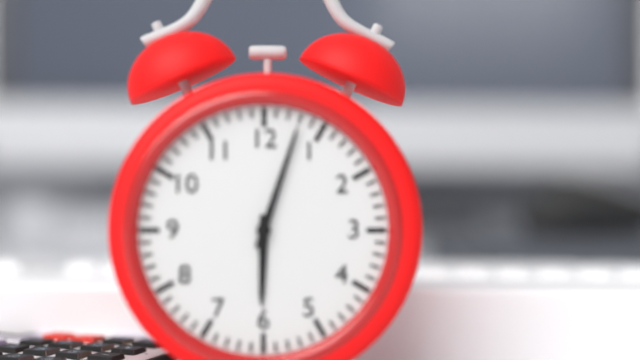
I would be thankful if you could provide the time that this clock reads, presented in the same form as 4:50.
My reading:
6:03
